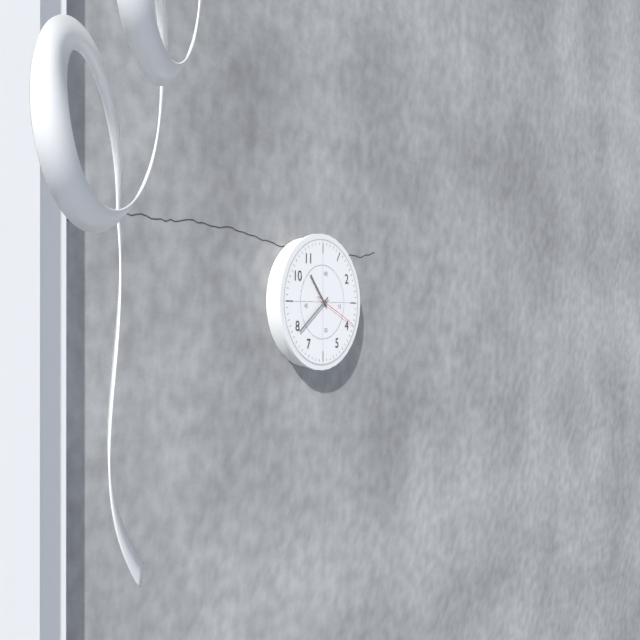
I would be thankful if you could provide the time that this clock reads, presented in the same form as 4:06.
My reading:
10:39
